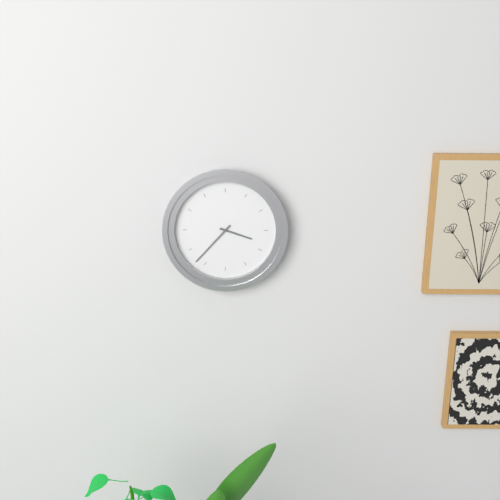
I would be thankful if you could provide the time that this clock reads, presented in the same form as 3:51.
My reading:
3:37
